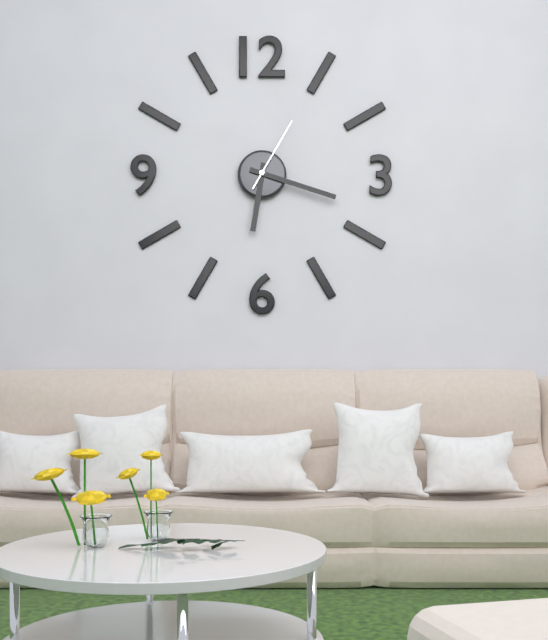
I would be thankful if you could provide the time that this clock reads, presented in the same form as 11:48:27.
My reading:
6:18:05
